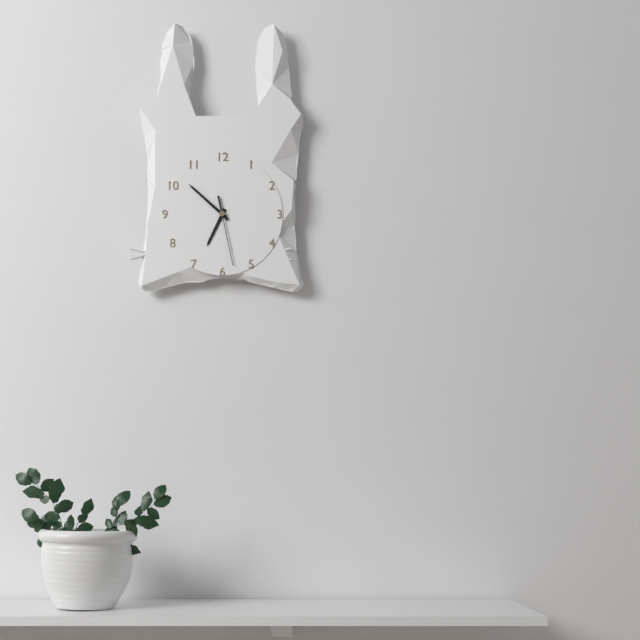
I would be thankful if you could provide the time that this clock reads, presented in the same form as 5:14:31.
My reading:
6:52:28
